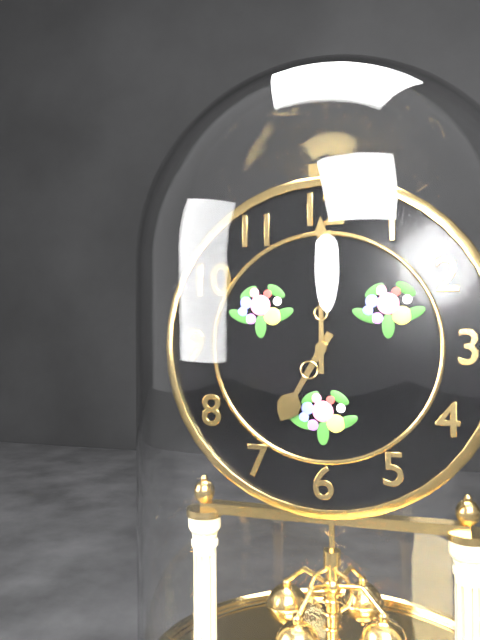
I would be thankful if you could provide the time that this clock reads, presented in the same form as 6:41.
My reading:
7:00
